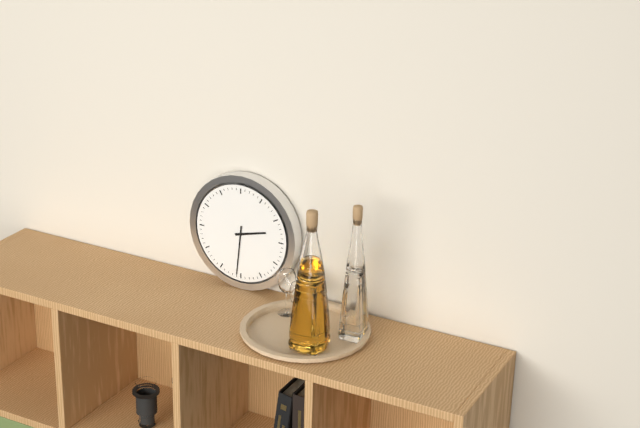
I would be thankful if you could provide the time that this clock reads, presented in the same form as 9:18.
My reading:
2:31
